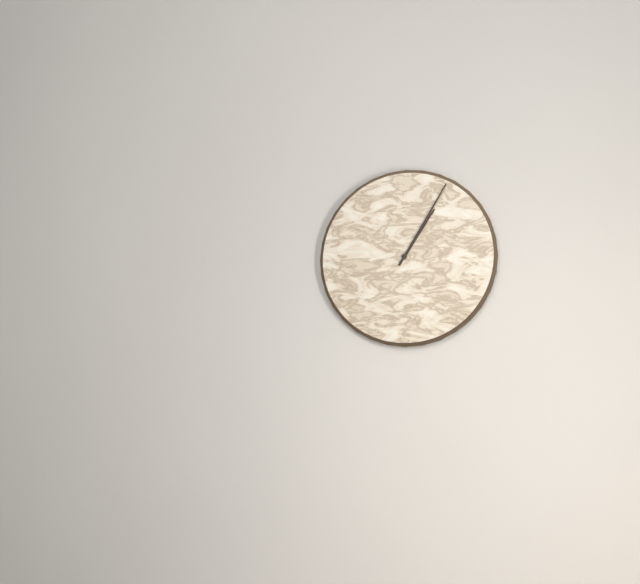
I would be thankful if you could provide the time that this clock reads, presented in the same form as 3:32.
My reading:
1:05
